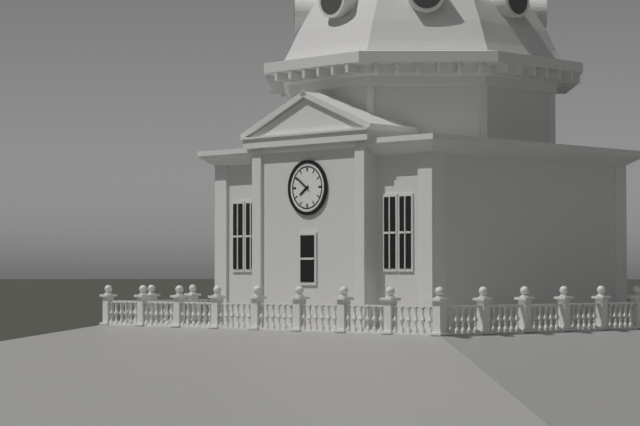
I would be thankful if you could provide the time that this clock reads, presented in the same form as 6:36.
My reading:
7:51
